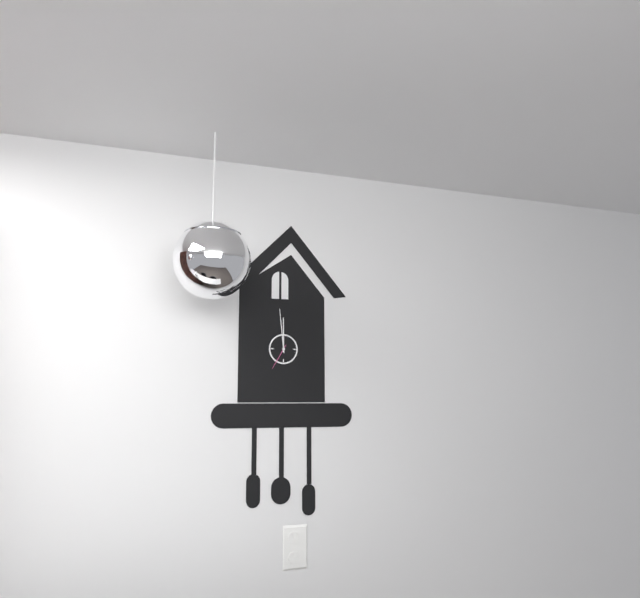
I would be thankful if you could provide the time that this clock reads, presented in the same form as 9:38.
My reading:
11:59
